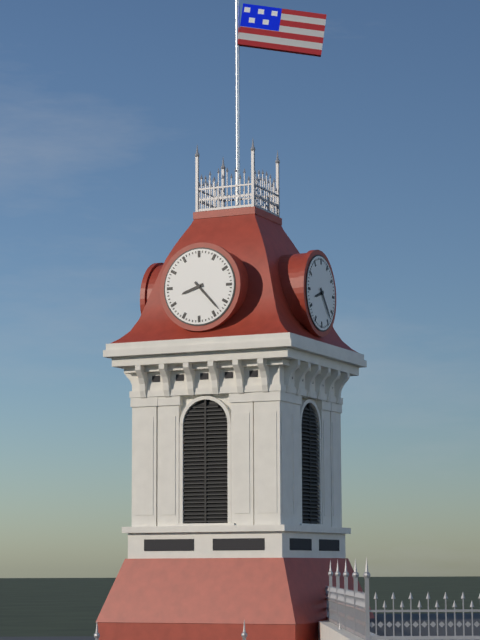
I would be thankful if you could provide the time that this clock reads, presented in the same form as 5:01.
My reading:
8:23
